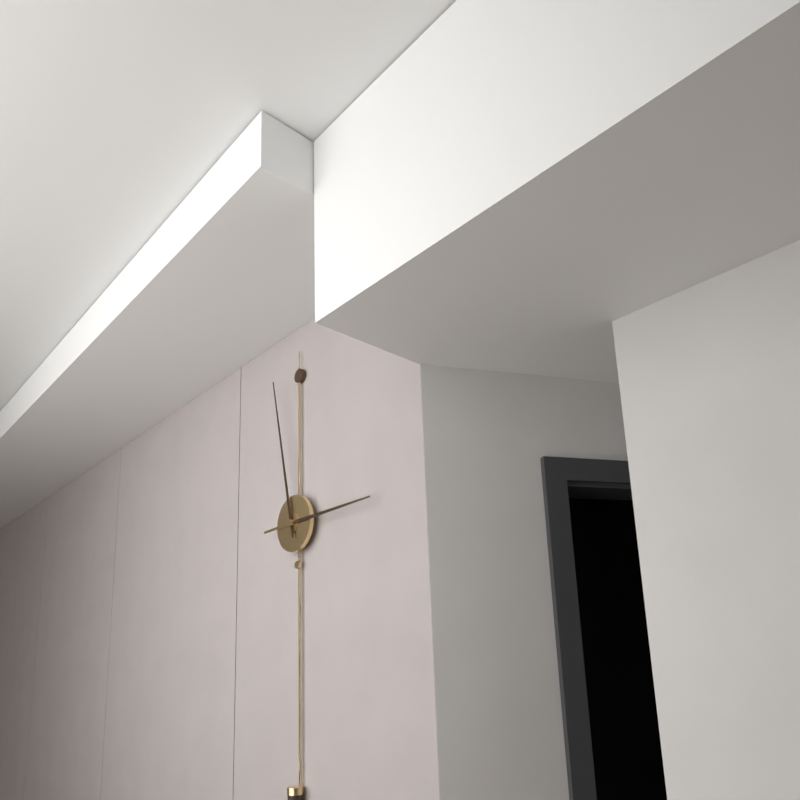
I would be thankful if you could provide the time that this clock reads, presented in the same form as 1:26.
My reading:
2:58
